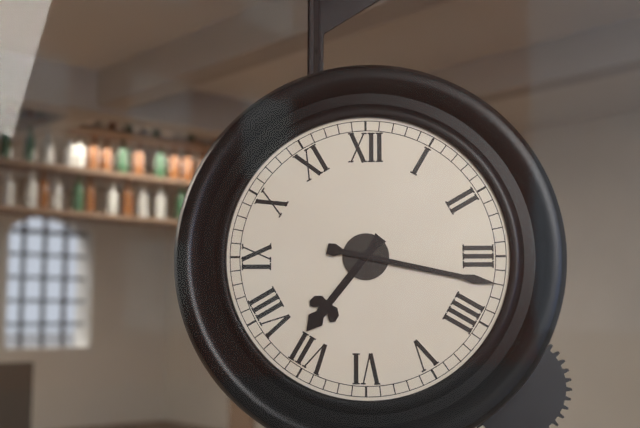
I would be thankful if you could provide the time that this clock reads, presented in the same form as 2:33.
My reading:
7:17
